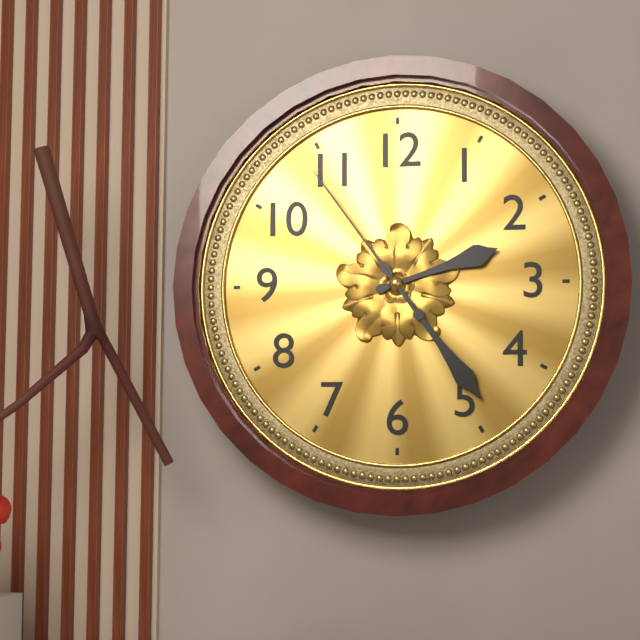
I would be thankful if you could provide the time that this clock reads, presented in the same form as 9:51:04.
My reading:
2:24:54
